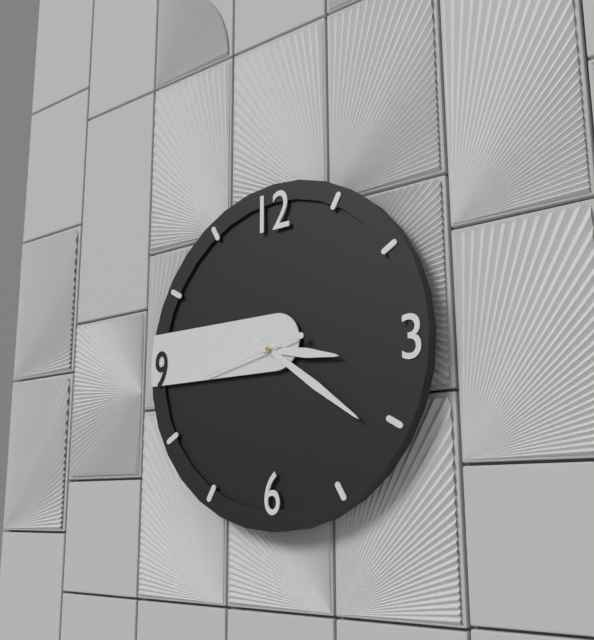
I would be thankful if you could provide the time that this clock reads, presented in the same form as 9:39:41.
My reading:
3:21:43
